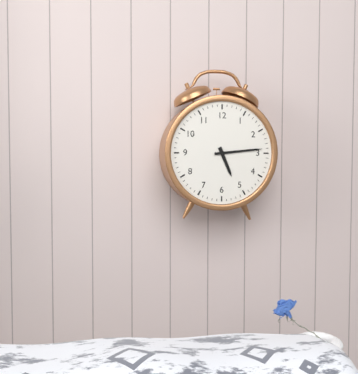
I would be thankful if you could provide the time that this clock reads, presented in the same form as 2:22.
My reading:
5:14
